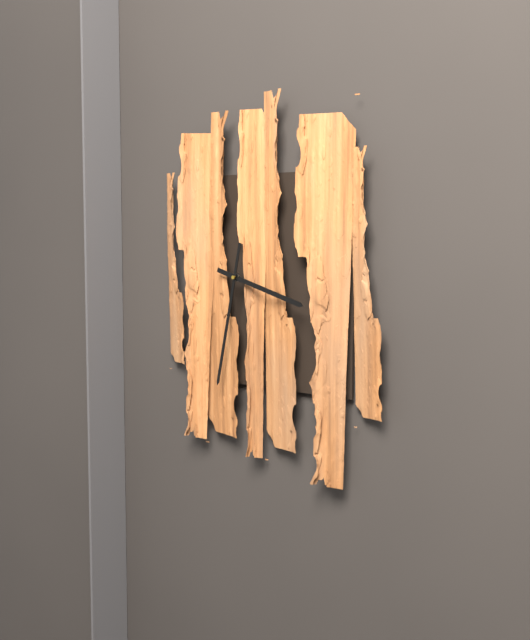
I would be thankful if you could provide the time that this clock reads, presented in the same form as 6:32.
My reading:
3:32
